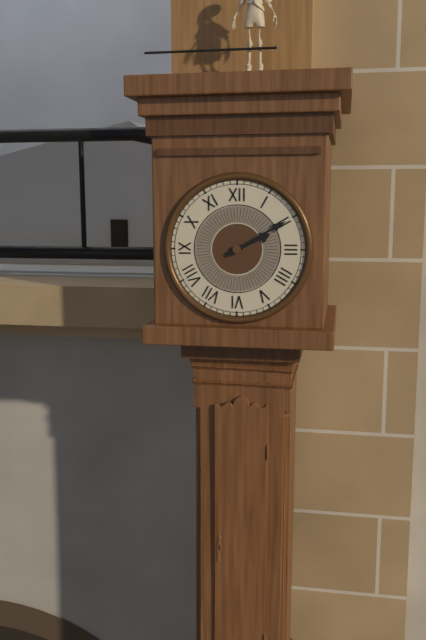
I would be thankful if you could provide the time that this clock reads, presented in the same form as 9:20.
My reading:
2:10
